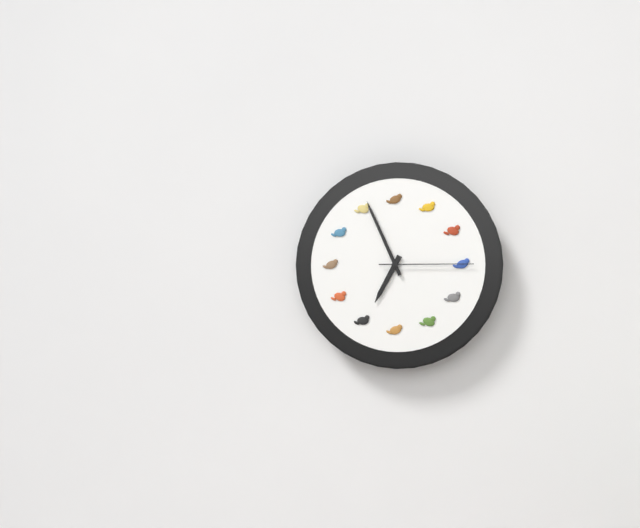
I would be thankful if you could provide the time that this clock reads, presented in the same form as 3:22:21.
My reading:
6:56:15
